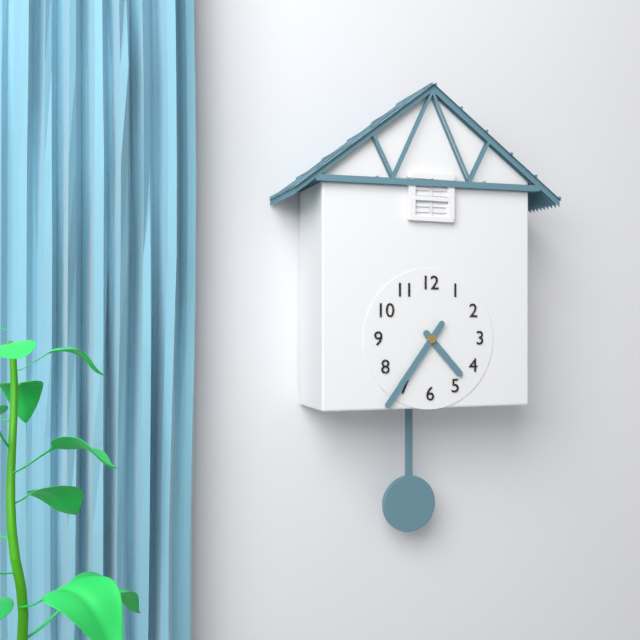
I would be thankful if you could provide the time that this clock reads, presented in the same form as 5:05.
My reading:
4:36
